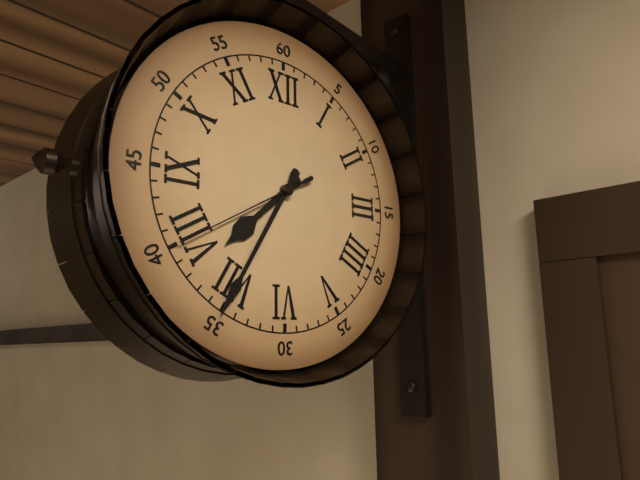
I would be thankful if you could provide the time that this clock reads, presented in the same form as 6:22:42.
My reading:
7:35:40
